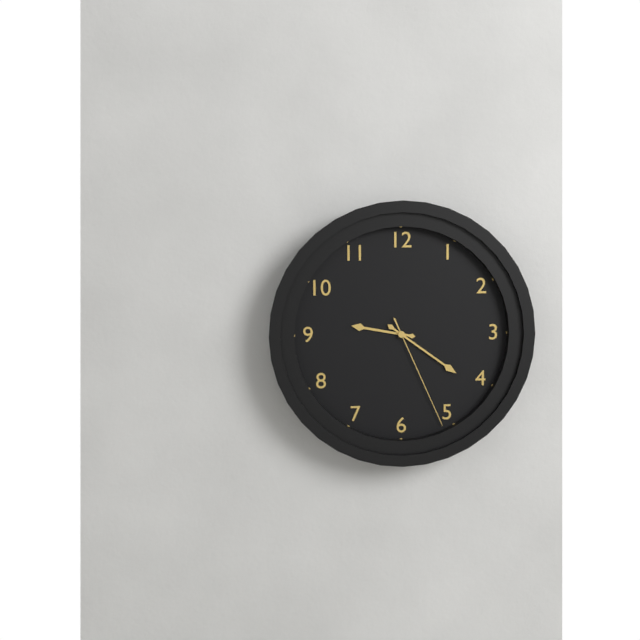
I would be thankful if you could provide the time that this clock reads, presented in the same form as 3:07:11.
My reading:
9:21:26
